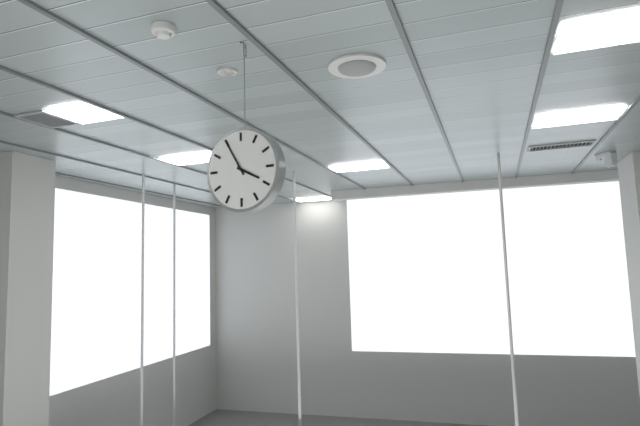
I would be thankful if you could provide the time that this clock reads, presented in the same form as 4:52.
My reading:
3:55
